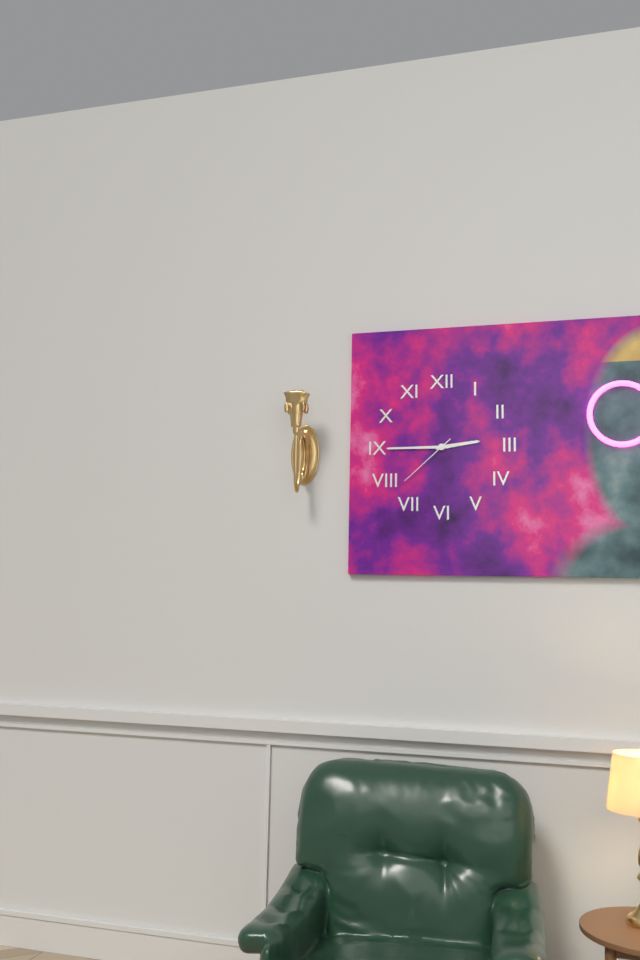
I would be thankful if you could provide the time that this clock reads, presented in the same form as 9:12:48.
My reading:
2:45:38
